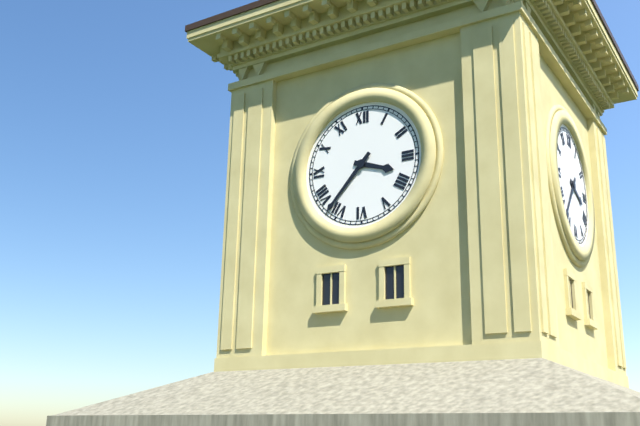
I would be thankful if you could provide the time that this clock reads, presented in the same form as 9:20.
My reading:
3:37
